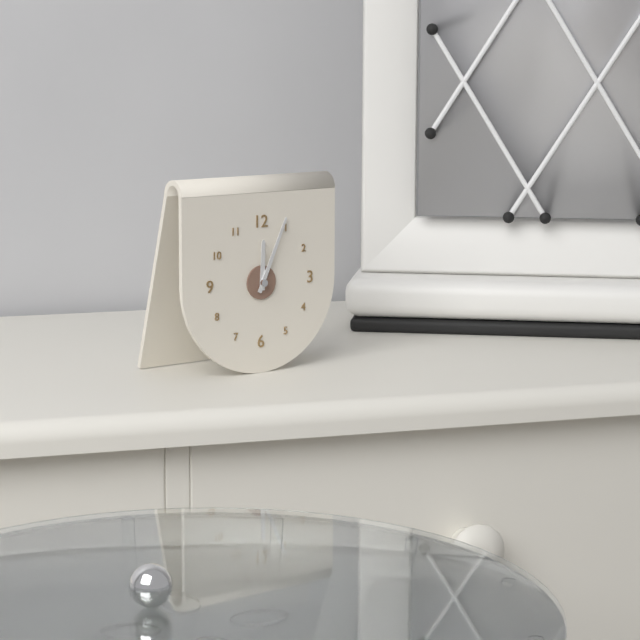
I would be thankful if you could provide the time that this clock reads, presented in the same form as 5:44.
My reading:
12:04
